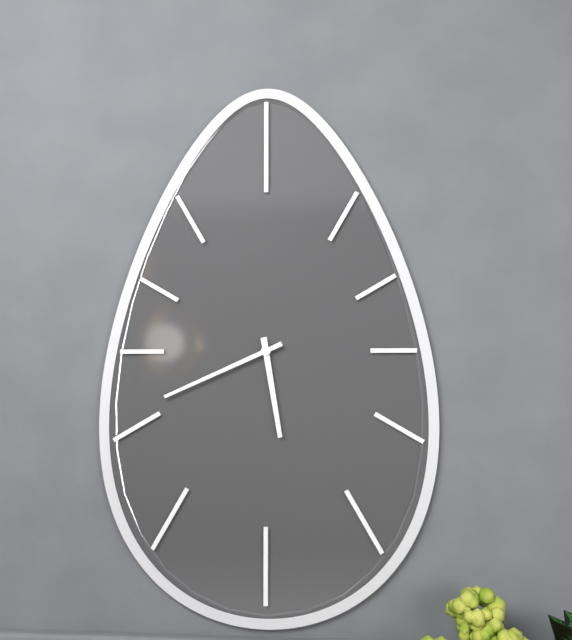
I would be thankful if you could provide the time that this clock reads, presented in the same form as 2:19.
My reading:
5:41
